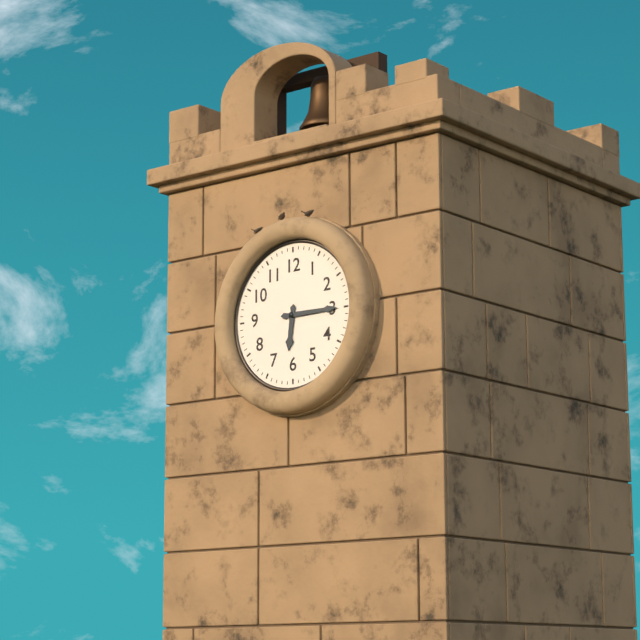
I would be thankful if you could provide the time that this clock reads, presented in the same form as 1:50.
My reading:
6:15
